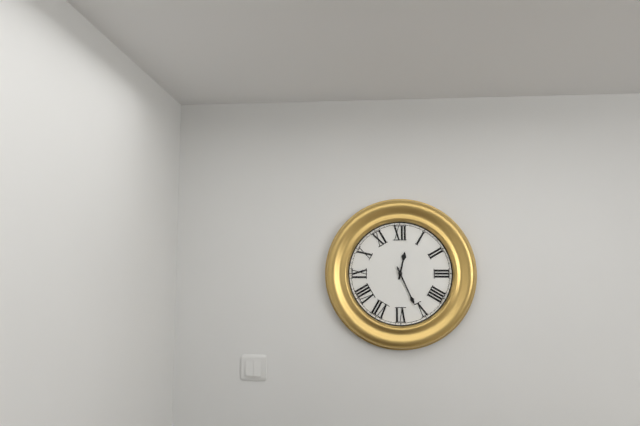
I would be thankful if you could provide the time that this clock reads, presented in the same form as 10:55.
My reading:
12:26
